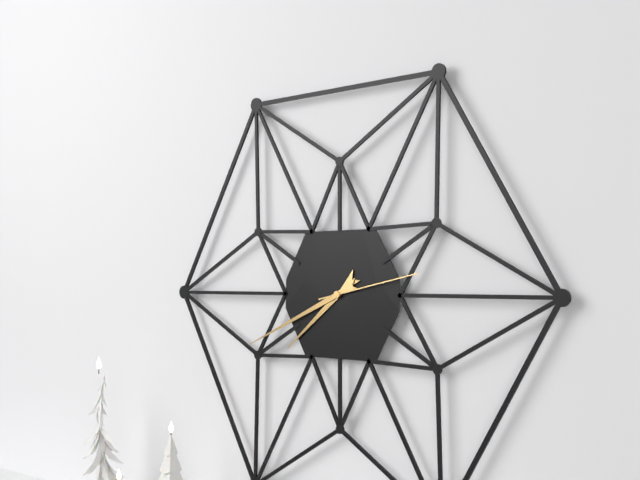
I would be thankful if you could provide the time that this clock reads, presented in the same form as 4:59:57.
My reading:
7:41:13
